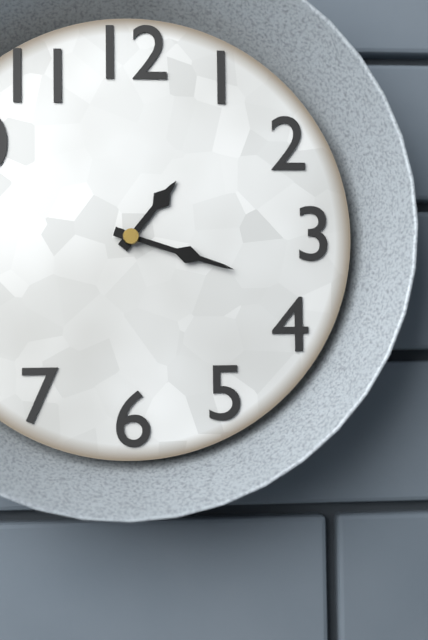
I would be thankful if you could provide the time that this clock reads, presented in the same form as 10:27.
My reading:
1:18
